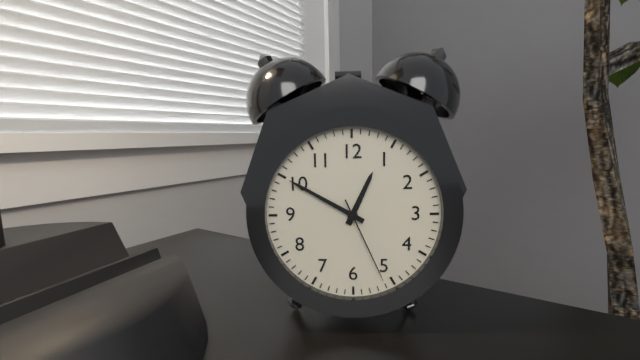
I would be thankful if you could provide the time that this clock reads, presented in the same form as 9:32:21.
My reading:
12:50:26
